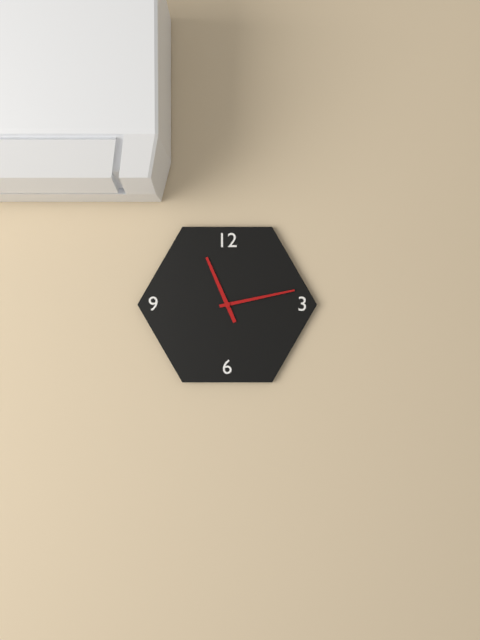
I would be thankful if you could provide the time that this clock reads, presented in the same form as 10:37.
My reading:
11:13
